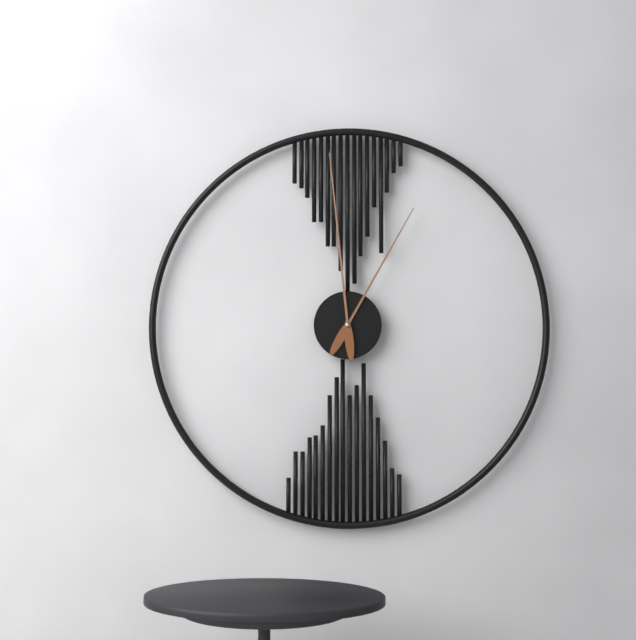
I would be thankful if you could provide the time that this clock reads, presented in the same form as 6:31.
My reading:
12:59
